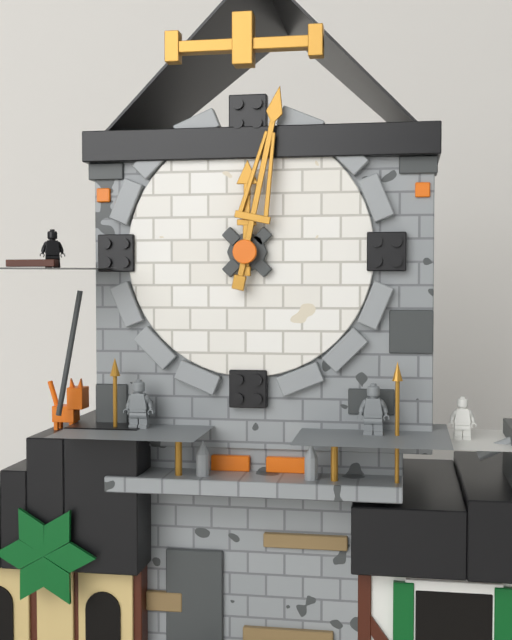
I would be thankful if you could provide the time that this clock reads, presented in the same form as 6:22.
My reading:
12:02
